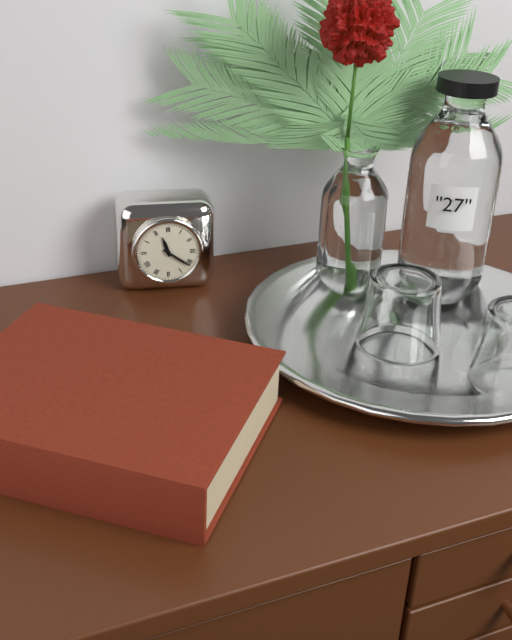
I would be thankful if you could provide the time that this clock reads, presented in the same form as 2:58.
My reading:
11:21
